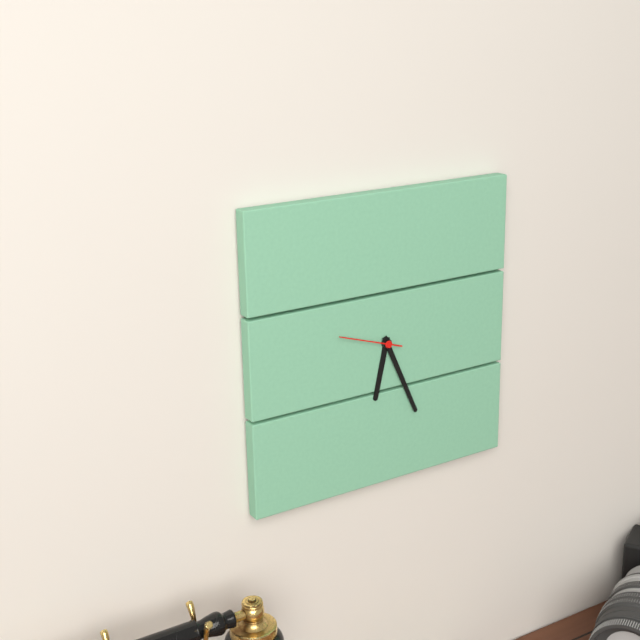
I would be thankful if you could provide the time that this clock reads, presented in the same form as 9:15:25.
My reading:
6:26:48
